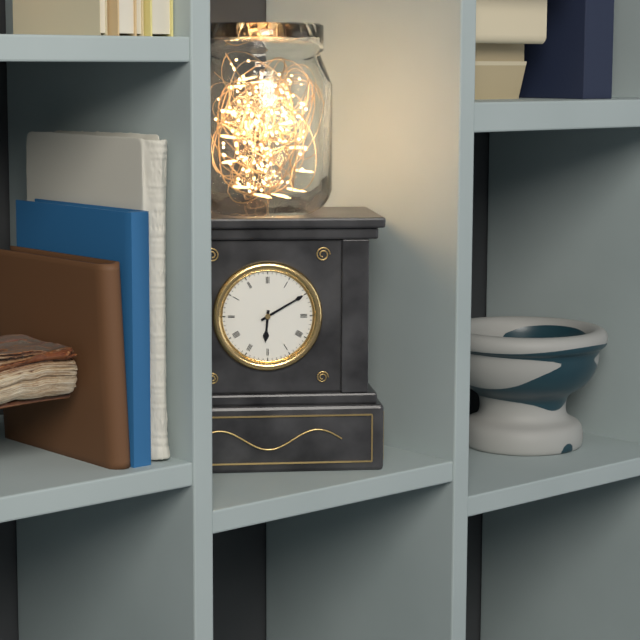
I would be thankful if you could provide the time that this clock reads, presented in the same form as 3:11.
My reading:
6:10
